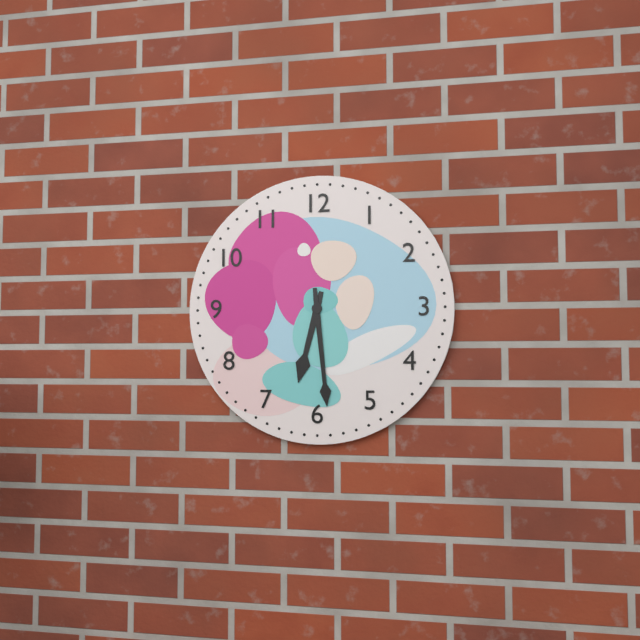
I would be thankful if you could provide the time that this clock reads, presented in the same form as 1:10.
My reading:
6:29
